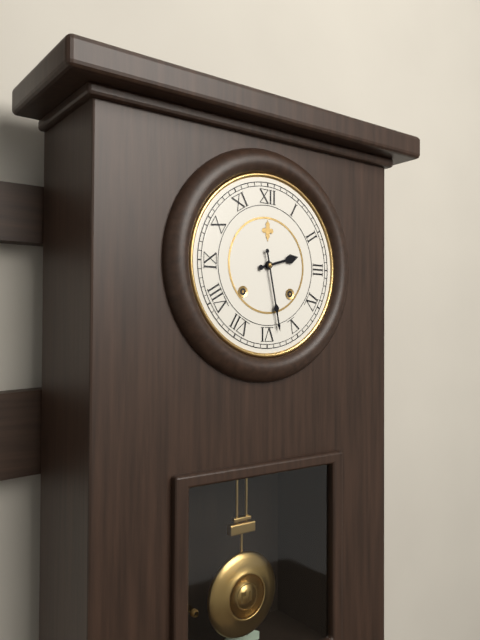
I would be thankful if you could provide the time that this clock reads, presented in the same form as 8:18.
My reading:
2:28
